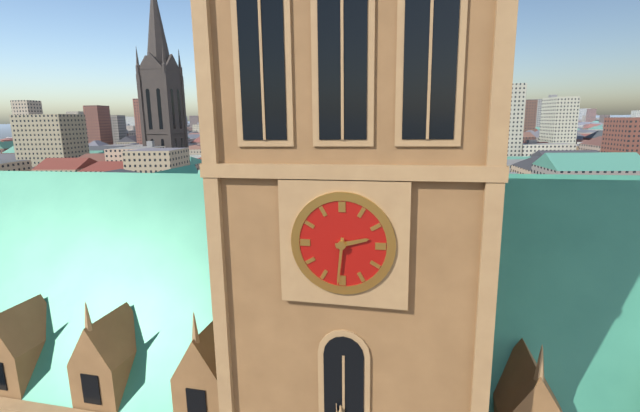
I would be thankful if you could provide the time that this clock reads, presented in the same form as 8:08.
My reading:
2:31
